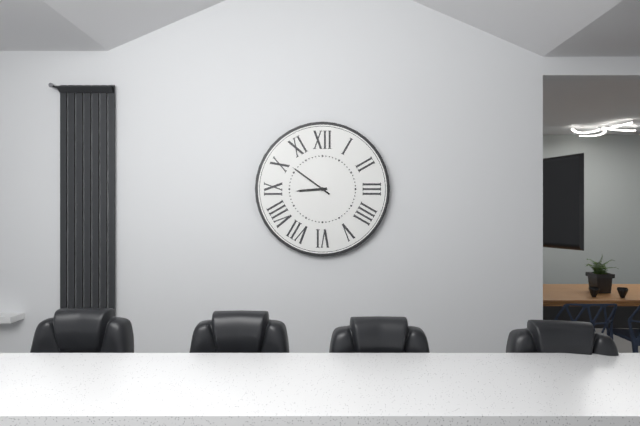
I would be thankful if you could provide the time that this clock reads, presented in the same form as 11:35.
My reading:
8:51
